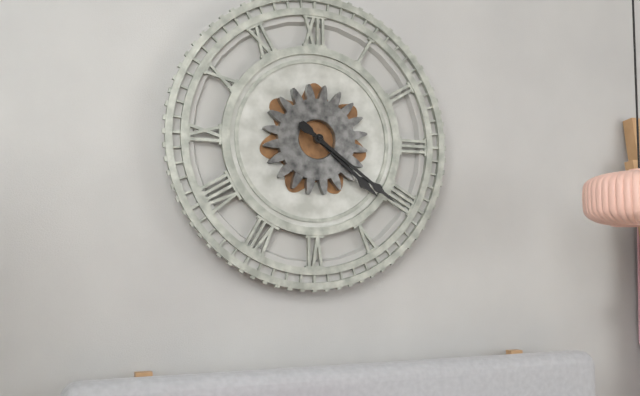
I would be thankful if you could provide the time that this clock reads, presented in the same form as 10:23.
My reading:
4:21
